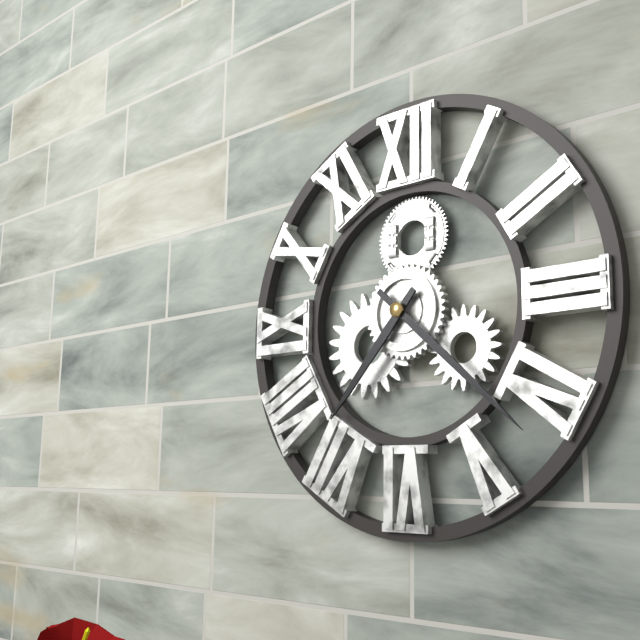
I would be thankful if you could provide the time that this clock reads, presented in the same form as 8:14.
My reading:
7:22
